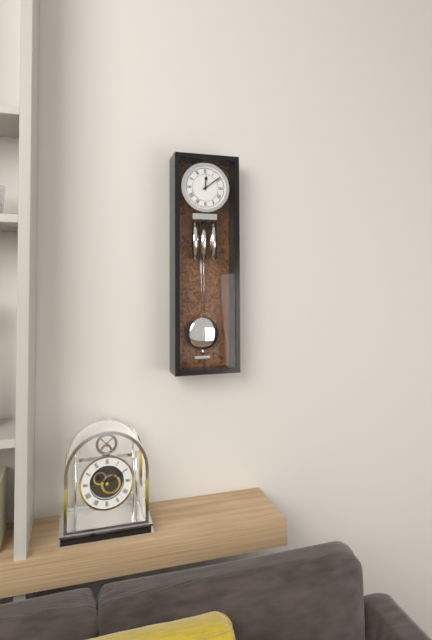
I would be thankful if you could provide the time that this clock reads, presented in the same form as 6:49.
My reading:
12:09
